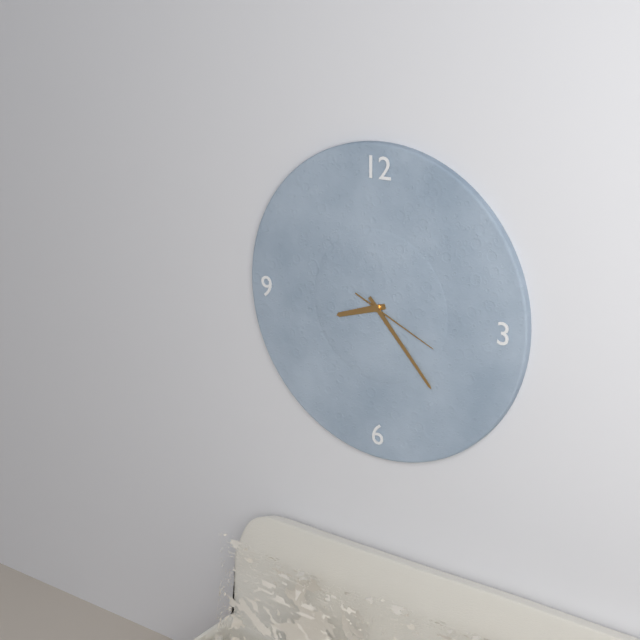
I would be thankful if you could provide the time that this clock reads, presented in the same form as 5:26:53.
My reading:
8:23:19
